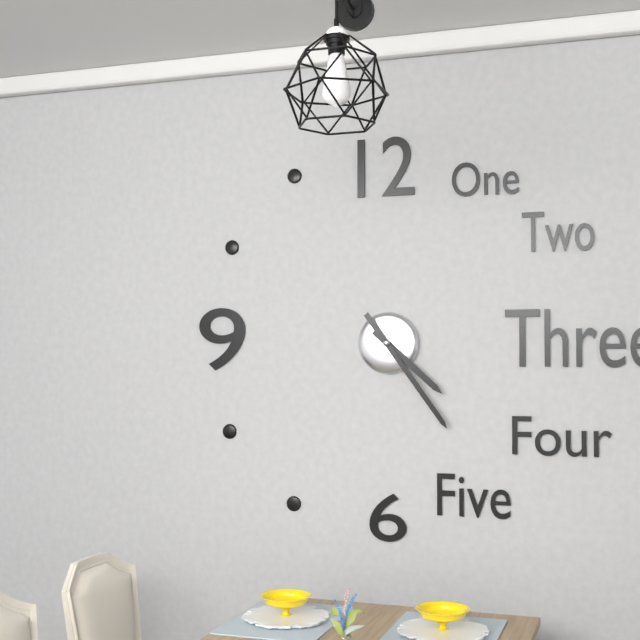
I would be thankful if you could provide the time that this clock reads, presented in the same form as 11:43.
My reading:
4:24
